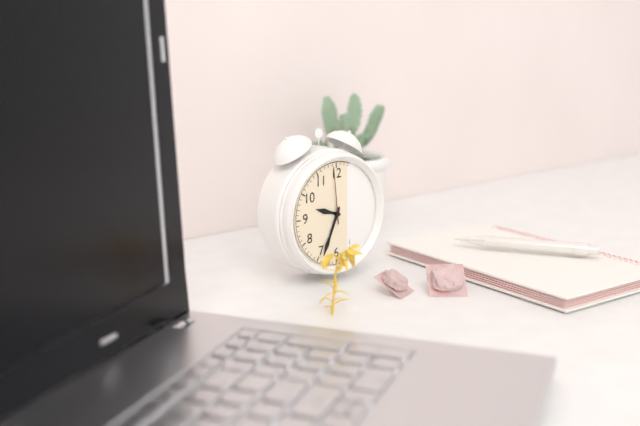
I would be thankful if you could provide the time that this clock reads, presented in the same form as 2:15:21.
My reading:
9:34:59
